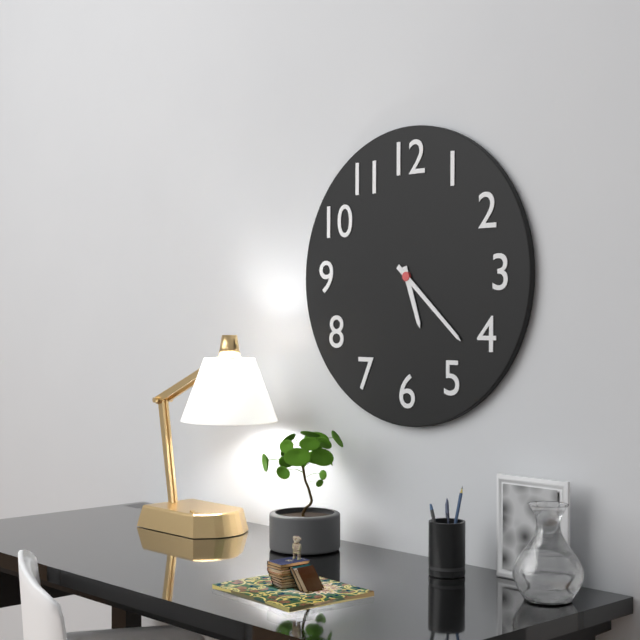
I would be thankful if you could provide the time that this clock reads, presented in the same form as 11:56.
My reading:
5:22
